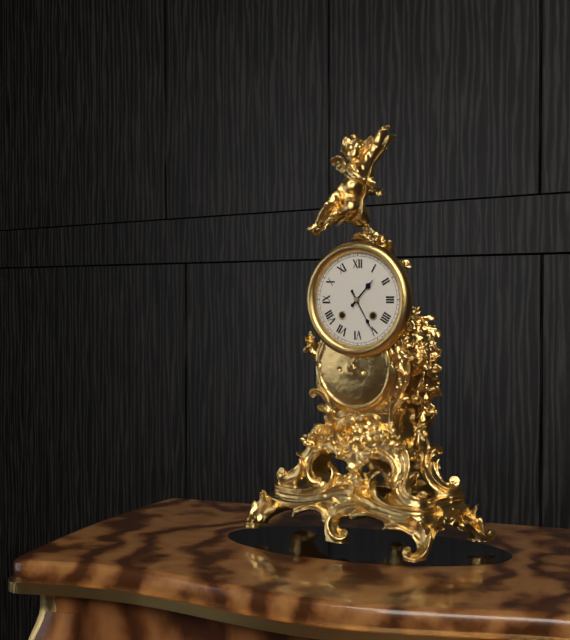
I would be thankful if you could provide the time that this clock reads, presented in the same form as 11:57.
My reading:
1:25
